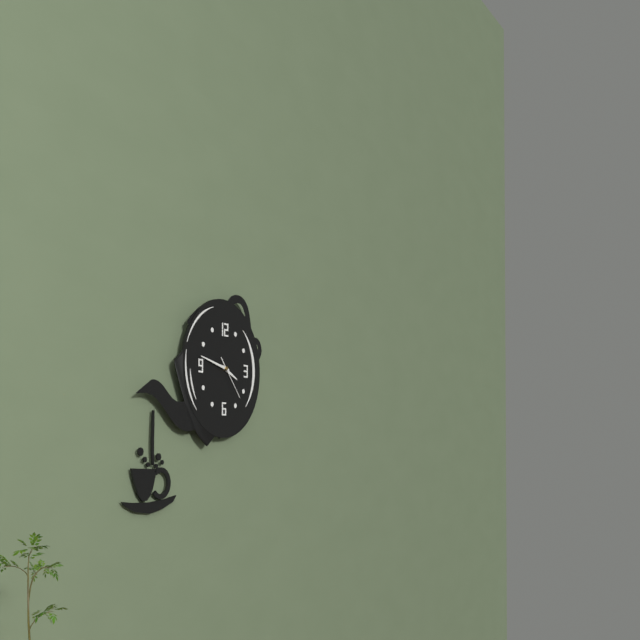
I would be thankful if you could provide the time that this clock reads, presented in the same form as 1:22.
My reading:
3:47
